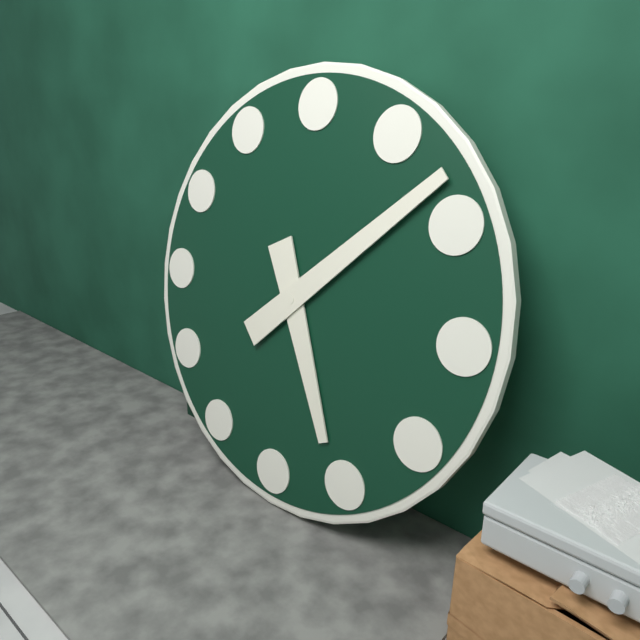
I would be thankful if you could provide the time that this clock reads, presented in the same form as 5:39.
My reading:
5:08
